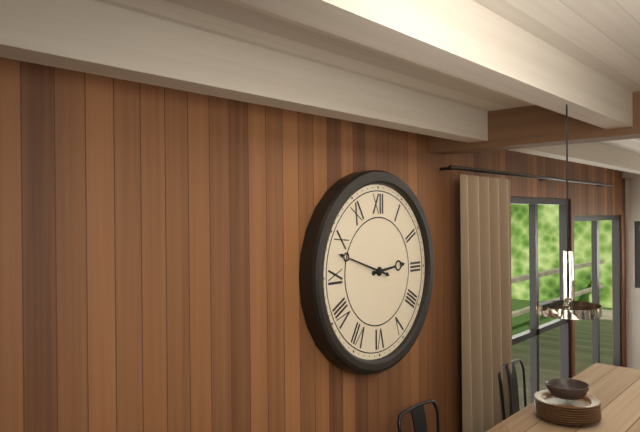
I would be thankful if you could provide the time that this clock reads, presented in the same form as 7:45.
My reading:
2:48
